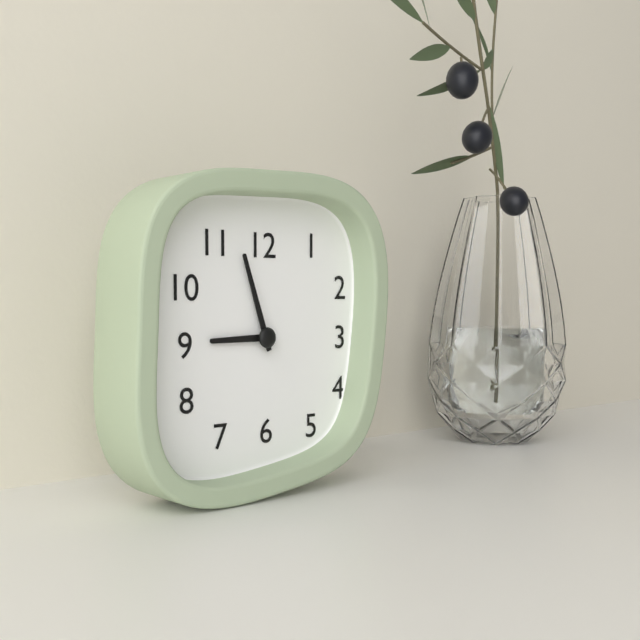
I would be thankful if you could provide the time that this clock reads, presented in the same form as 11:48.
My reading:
8:57
